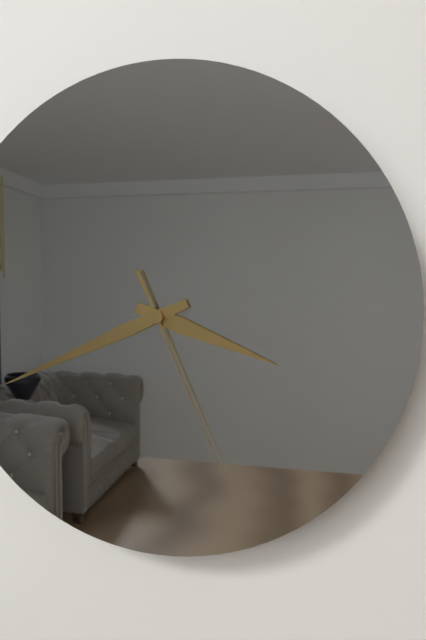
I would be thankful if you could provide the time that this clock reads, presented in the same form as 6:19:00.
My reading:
3:41:26
